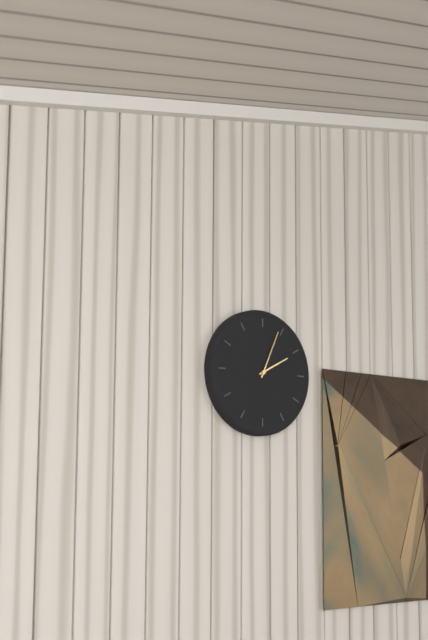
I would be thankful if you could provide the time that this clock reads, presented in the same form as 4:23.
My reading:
2:04
